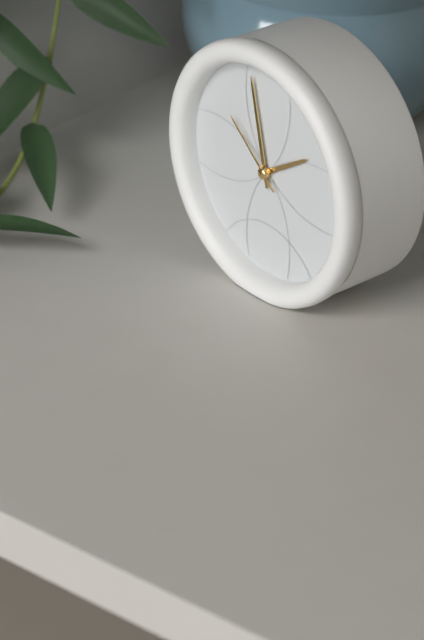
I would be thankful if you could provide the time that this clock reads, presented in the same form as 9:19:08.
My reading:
1:58:52
